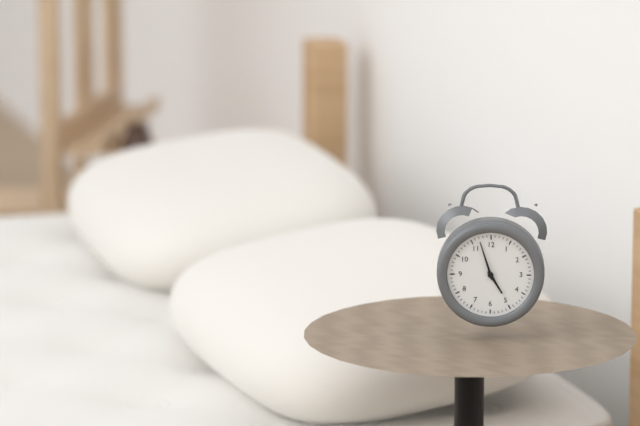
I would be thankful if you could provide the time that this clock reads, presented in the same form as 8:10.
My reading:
4:57
